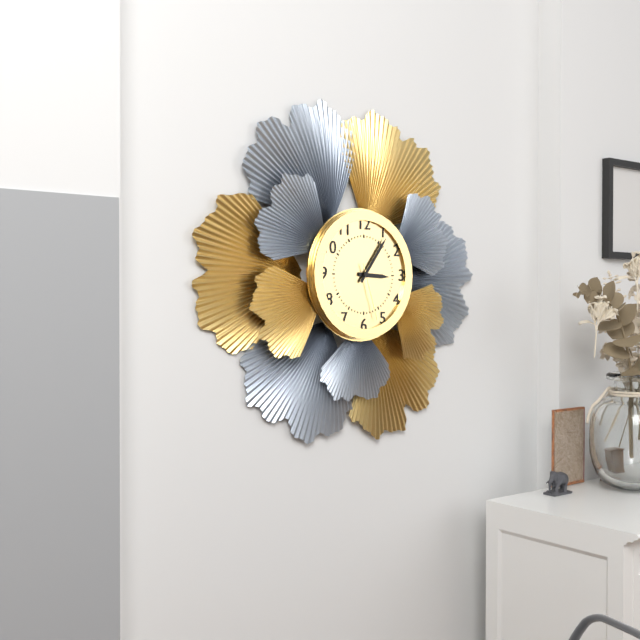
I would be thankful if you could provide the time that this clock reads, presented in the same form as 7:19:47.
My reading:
3:06:27
